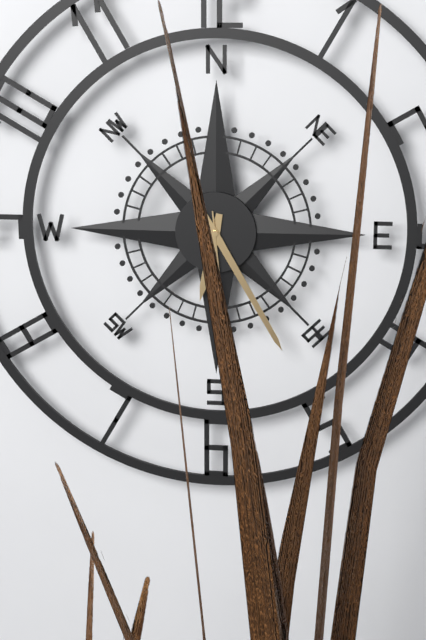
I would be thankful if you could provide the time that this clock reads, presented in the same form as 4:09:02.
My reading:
6:25:29
